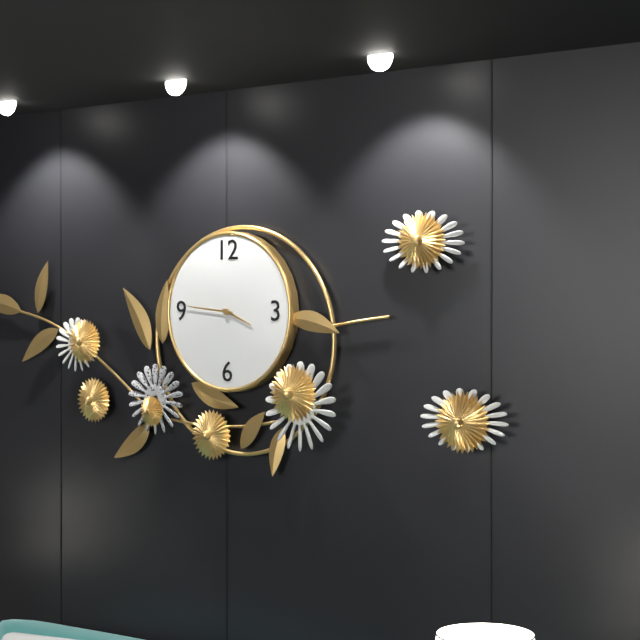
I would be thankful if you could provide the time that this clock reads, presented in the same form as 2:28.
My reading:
3:46
